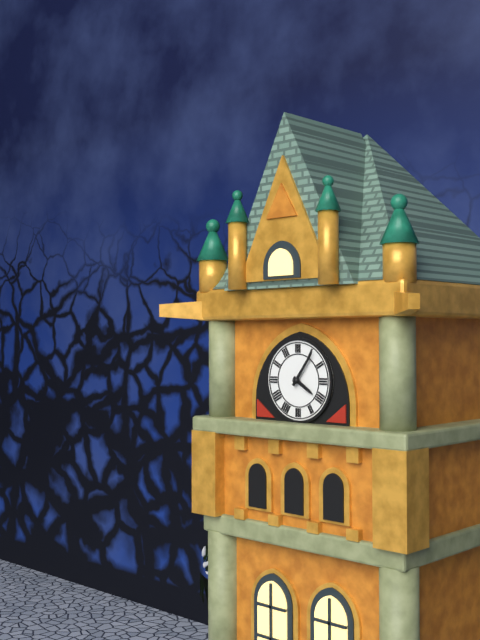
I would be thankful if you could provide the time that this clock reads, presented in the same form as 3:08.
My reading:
4:06
